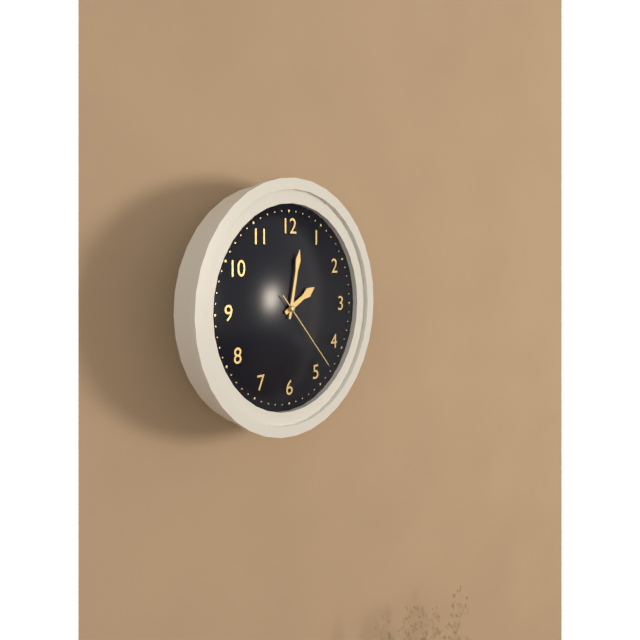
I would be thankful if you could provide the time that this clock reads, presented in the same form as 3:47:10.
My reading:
2:02:23
